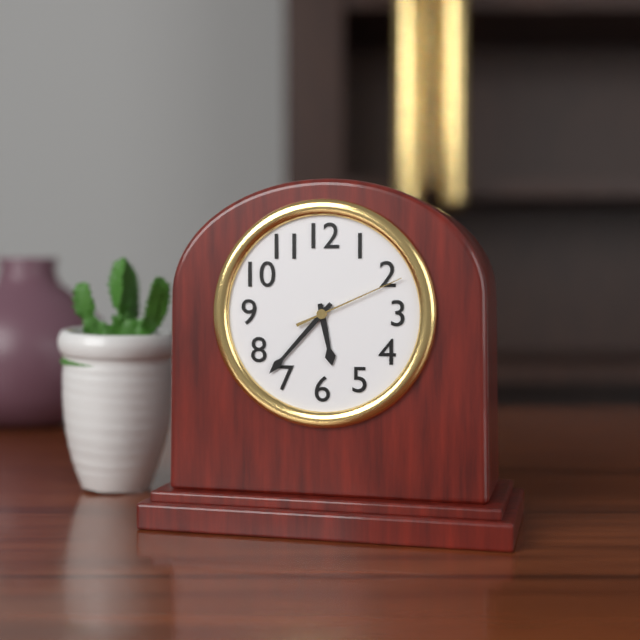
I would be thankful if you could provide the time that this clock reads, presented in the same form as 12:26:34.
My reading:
5:37:11
